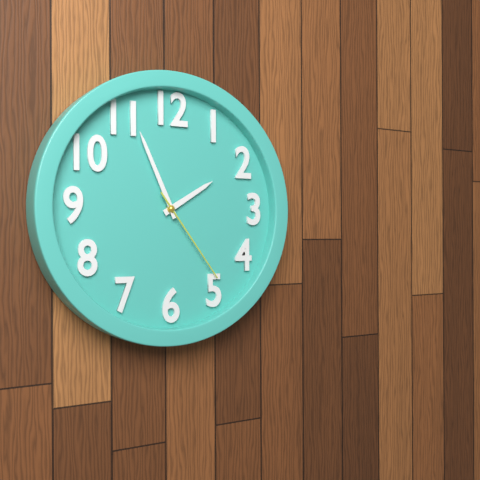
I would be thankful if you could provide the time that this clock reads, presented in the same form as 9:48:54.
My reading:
1:56:24
